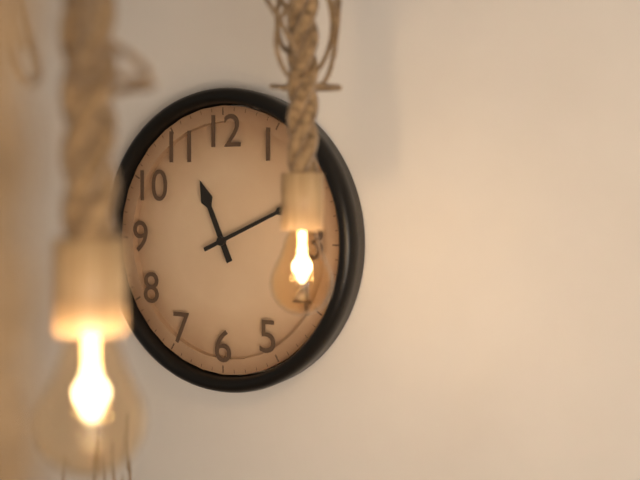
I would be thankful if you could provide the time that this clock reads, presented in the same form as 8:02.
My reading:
11:11
